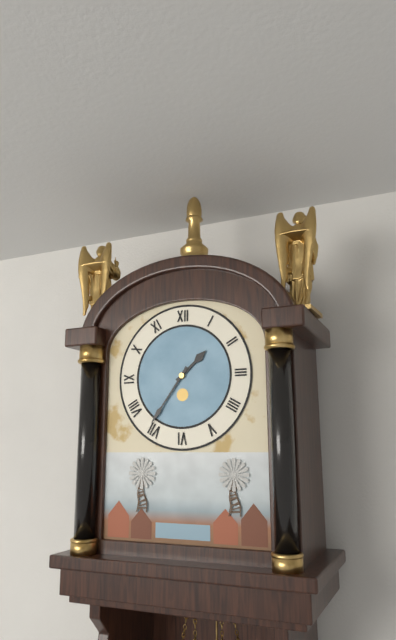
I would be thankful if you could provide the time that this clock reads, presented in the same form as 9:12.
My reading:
1:36
